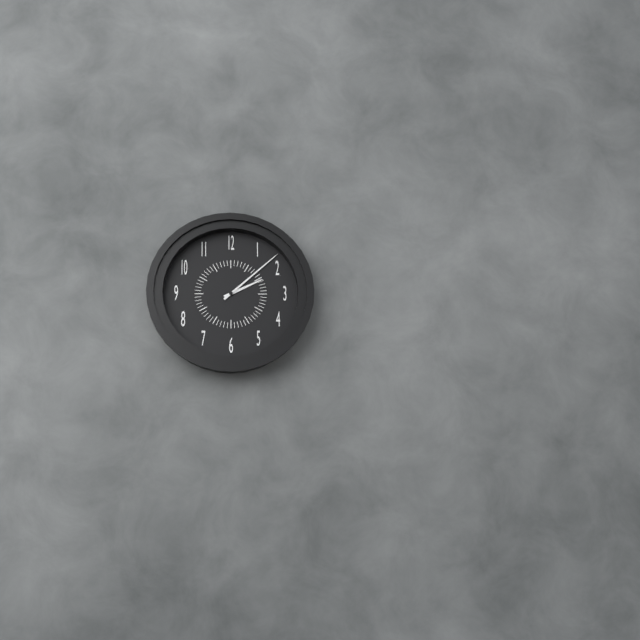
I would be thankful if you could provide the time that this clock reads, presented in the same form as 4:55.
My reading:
2:08
